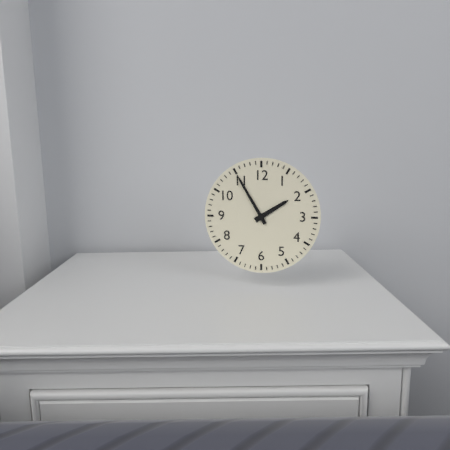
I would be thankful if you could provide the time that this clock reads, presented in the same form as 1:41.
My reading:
1:55
